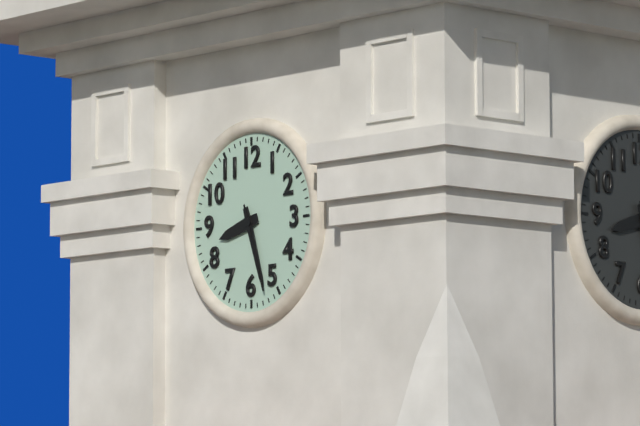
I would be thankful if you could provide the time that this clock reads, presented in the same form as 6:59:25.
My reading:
8:27:27
